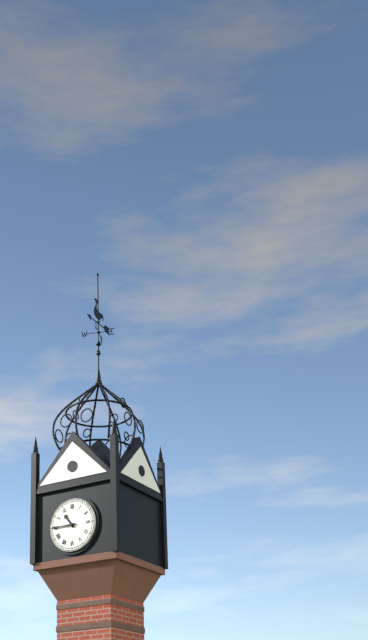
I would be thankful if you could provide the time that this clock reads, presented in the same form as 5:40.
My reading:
10:45
